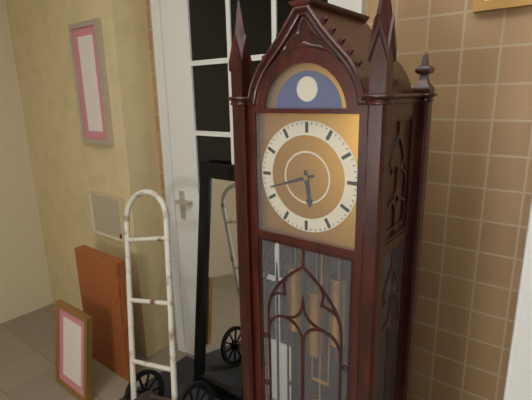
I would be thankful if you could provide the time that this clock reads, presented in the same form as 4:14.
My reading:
5:42
